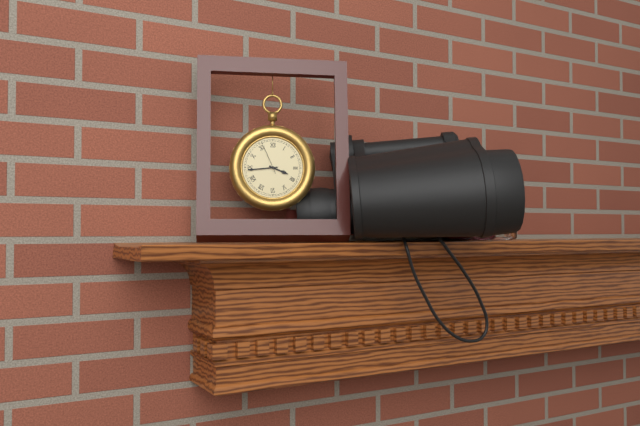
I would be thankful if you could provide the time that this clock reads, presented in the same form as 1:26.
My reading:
3:44
